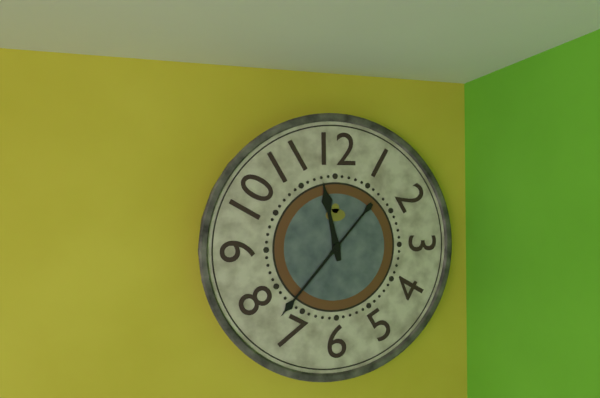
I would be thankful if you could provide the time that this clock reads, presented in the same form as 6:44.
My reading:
11:37
